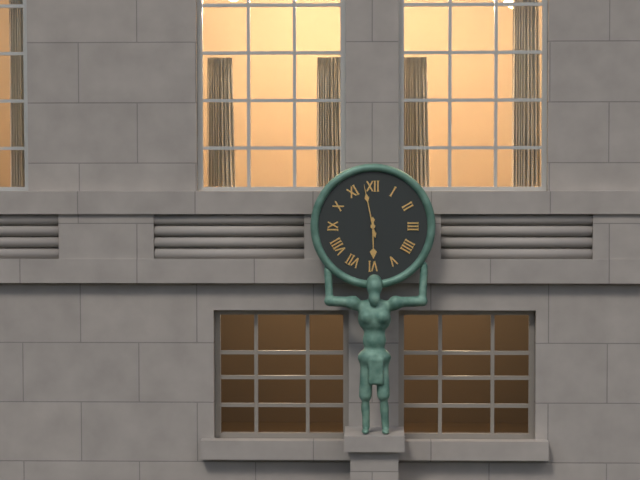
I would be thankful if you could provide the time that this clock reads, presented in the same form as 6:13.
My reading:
5:58
